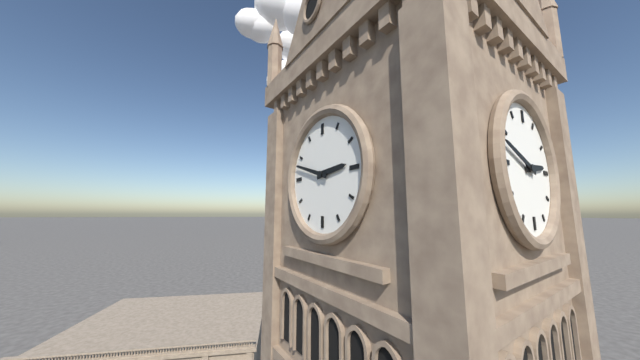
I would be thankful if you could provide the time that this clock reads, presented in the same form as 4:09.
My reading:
2:48
